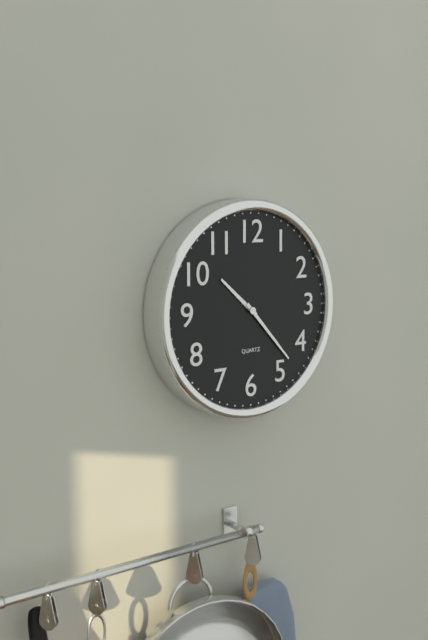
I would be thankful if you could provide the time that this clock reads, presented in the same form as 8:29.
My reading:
10:23
